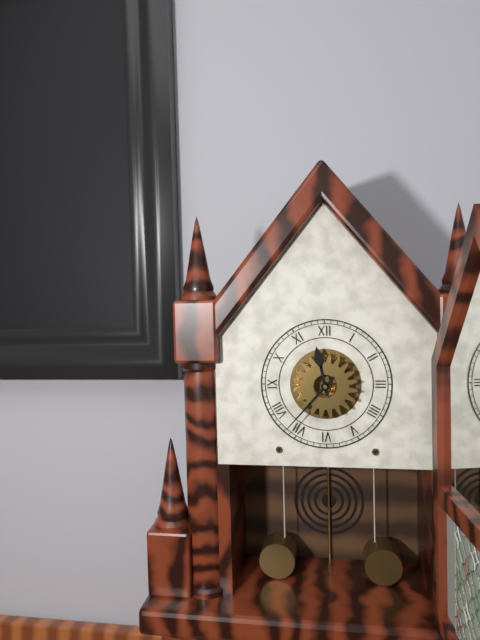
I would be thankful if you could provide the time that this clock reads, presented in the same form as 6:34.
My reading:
11:37
